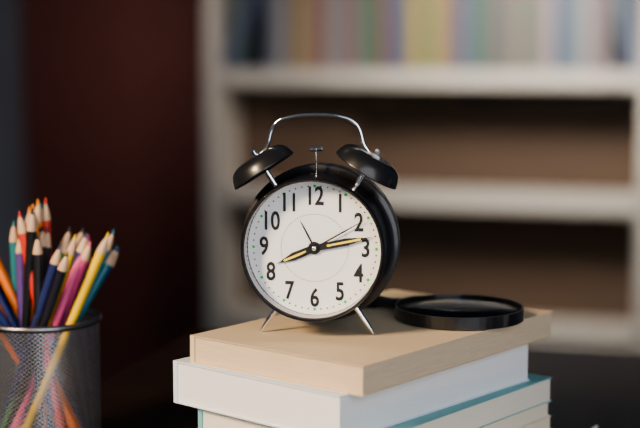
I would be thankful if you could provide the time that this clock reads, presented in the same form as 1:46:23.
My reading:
8:13:10
